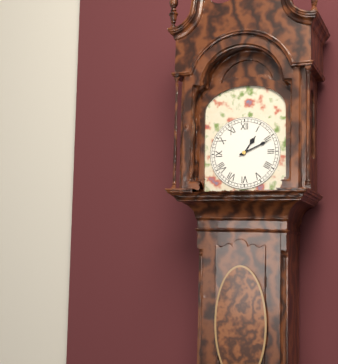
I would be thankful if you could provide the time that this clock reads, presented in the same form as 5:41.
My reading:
1:11
